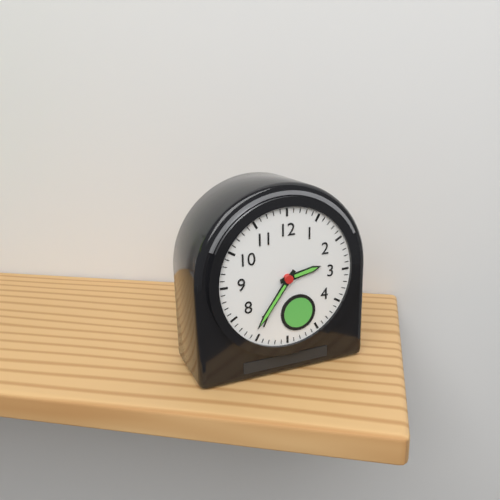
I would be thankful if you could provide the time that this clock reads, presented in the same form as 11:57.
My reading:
2:36
